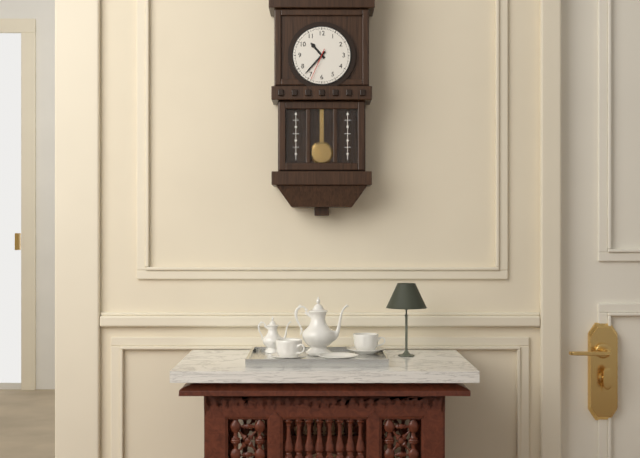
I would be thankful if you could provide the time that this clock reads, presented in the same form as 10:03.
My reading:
10:37
